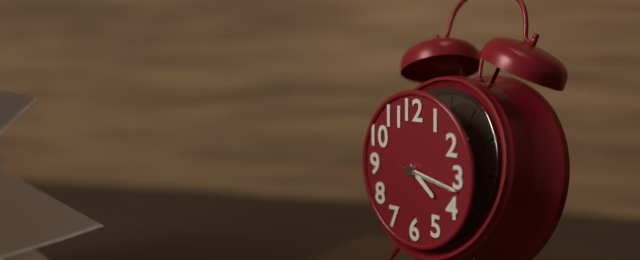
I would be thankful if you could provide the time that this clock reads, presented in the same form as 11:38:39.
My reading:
4:17:17
